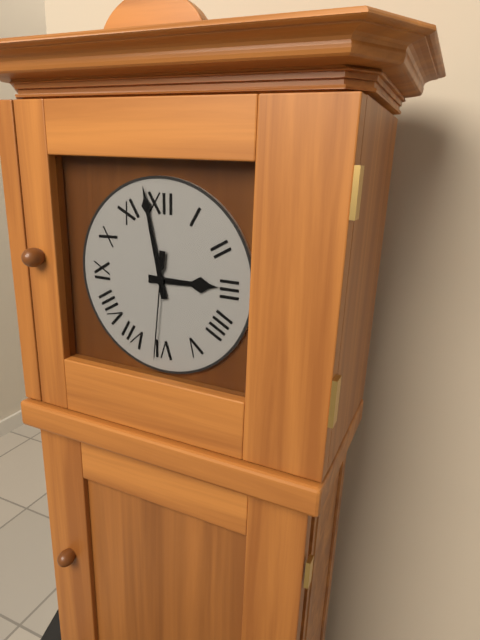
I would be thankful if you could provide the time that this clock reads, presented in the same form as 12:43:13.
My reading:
2:58:31
